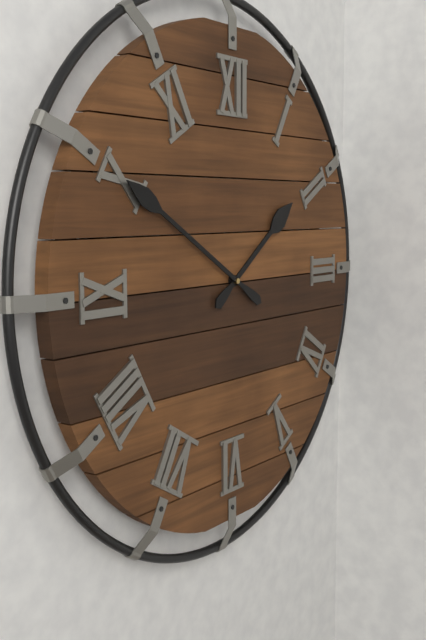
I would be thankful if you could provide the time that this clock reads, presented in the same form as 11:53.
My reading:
1:50
